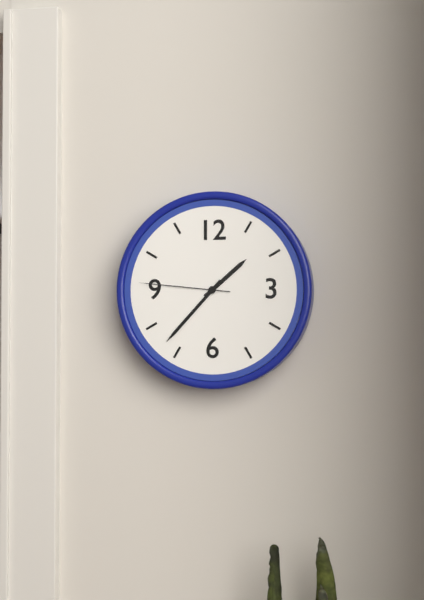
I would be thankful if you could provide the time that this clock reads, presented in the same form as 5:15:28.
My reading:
1:37:46
